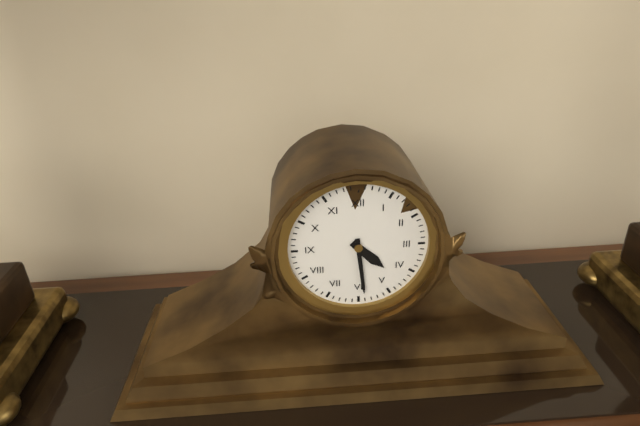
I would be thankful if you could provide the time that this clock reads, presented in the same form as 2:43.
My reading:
4:29
